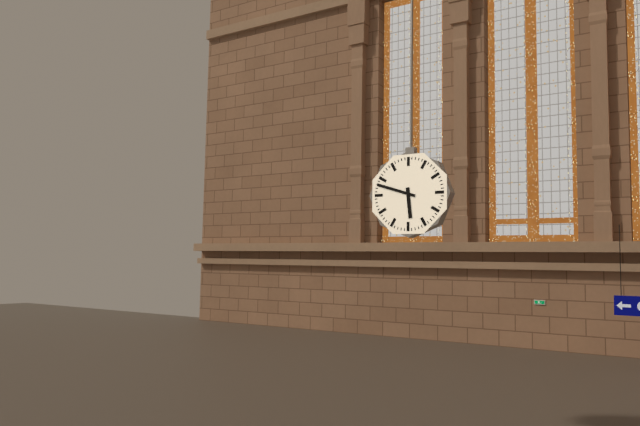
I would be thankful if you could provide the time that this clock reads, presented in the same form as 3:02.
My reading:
5:48
